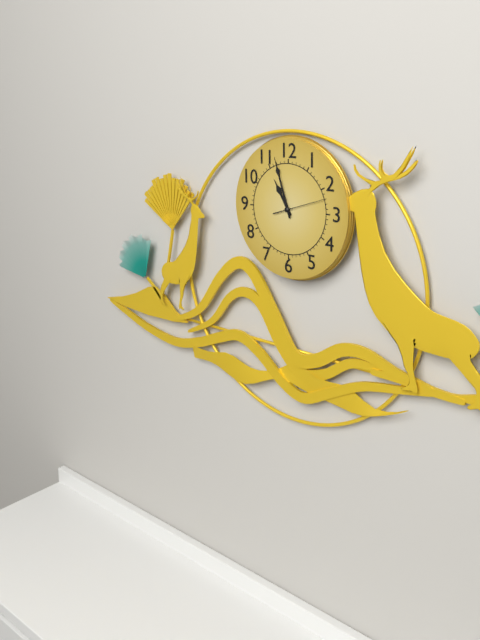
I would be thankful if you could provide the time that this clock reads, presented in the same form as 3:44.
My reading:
10:57
